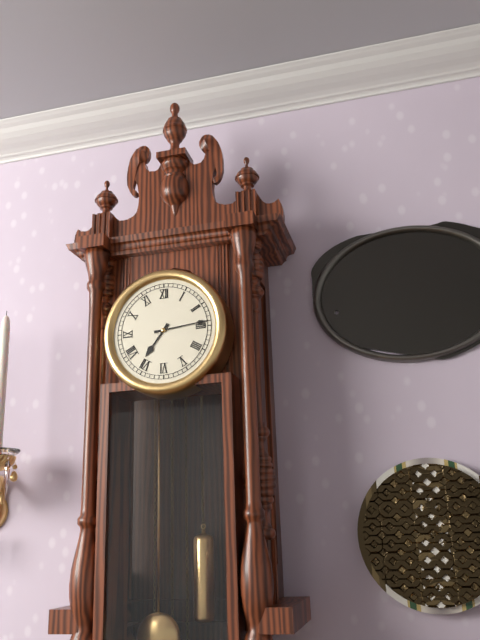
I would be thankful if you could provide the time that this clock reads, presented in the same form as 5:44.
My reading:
7:14
